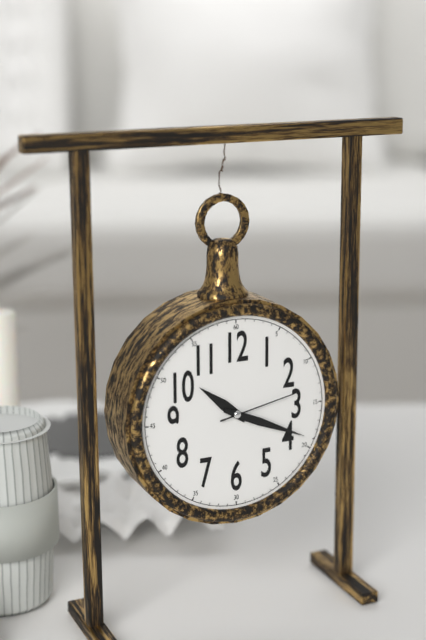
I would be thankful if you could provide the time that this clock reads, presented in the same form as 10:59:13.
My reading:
10:19:13
